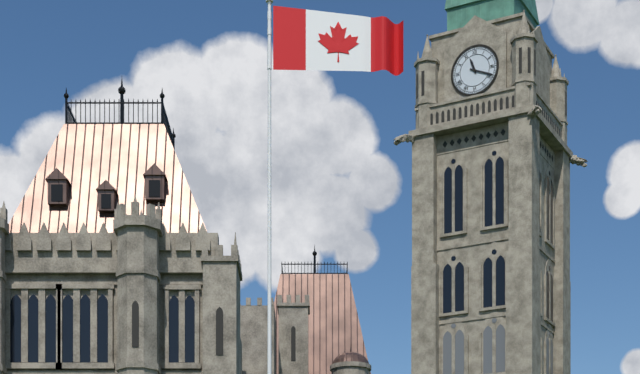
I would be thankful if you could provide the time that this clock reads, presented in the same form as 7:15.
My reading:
11:19
